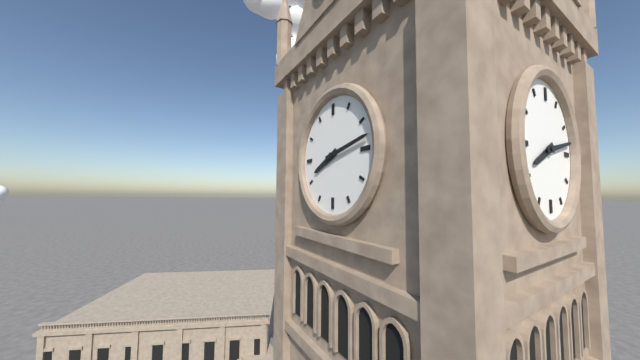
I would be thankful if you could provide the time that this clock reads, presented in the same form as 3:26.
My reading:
8:13
